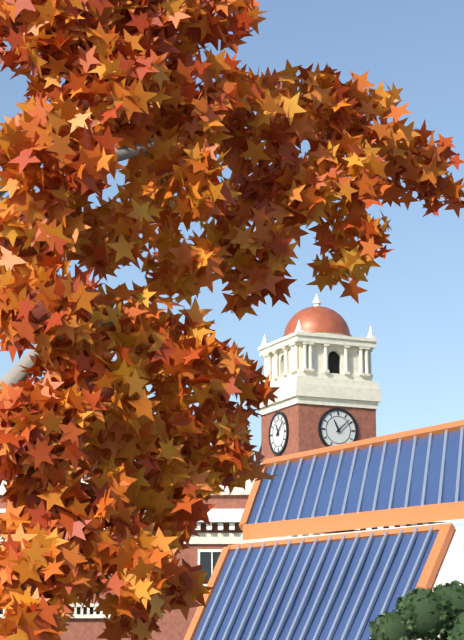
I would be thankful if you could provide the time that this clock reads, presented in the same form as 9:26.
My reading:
11:08
